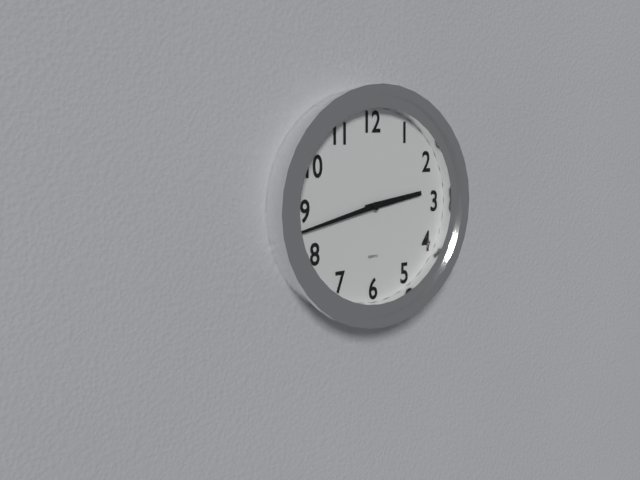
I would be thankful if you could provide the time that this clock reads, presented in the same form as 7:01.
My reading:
2:43
